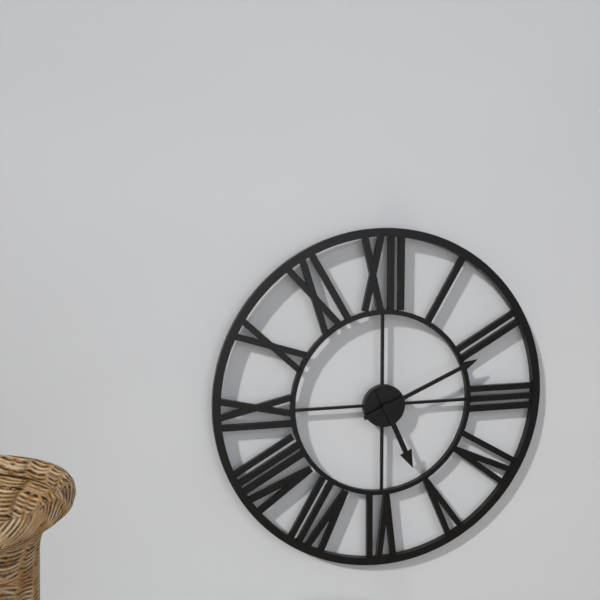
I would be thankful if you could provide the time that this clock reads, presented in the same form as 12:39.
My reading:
5:11
